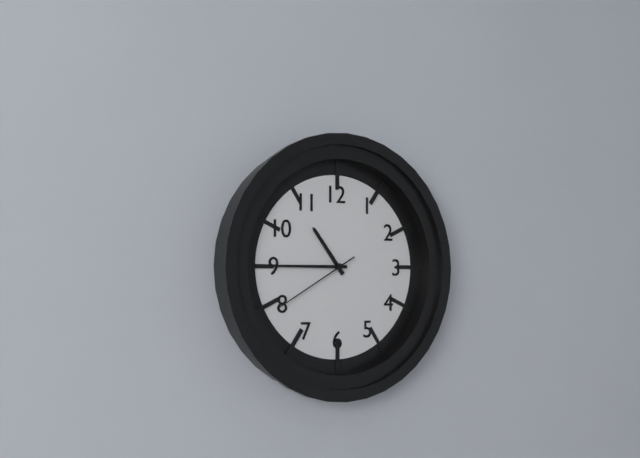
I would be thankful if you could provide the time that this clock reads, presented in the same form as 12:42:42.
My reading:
10:45:40
